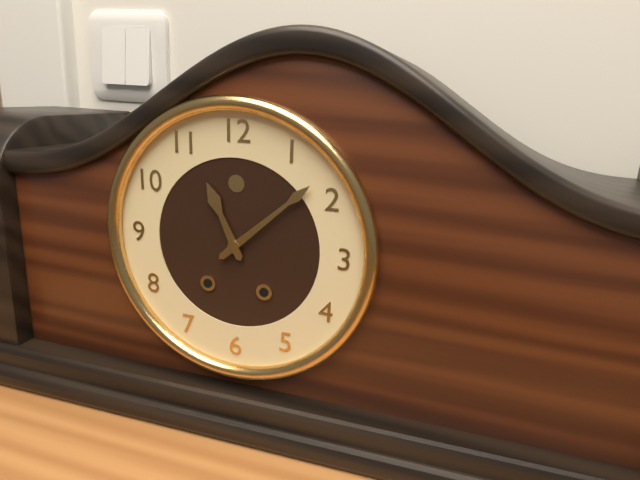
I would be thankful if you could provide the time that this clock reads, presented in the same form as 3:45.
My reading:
11:08
